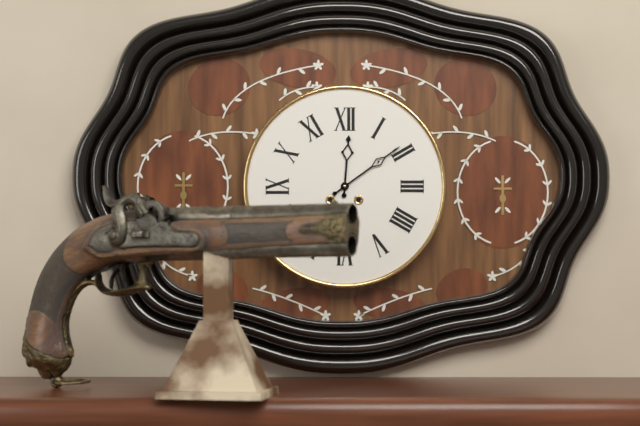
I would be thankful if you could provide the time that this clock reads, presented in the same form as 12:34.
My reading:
12:09
